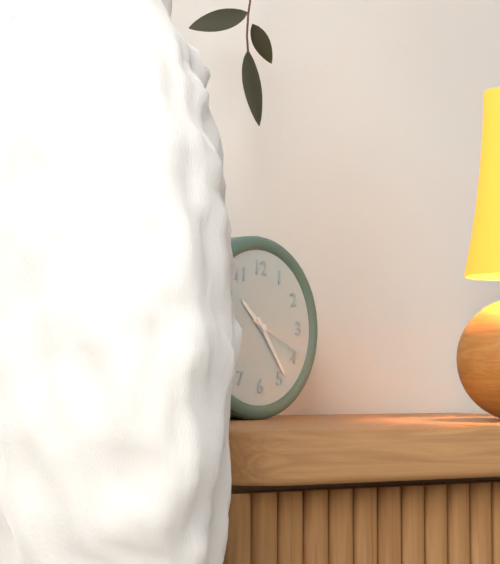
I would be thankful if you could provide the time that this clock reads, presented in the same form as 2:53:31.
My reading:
10:24:19
